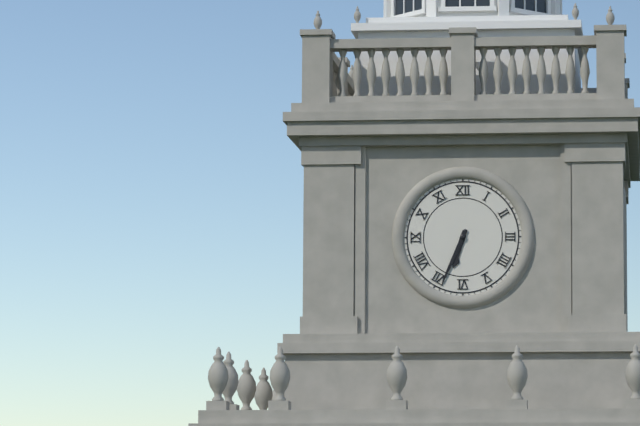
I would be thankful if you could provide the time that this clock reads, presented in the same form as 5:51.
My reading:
6:34
